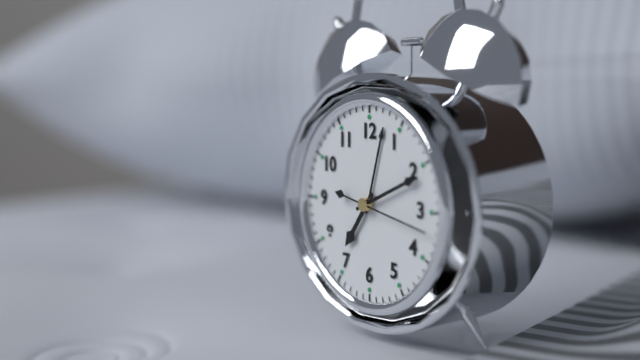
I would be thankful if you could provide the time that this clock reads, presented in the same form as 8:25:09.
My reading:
7:11:17
